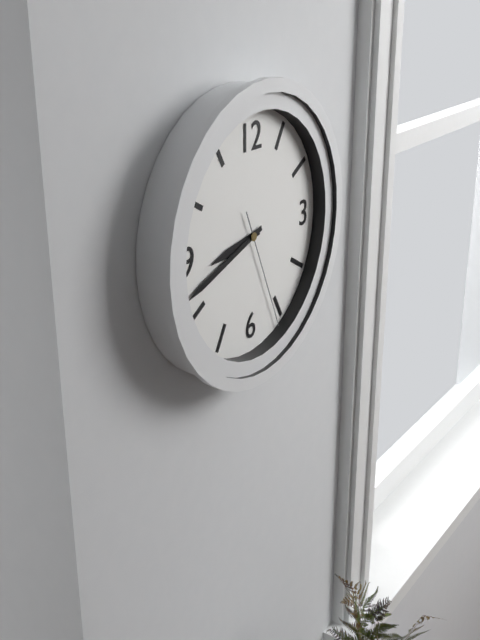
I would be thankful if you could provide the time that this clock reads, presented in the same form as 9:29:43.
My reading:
8:42:26
